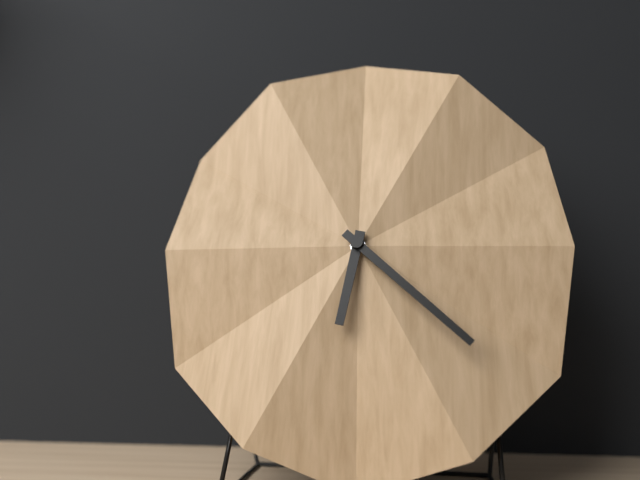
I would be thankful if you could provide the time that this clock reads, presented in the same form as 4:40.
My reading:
6:22
